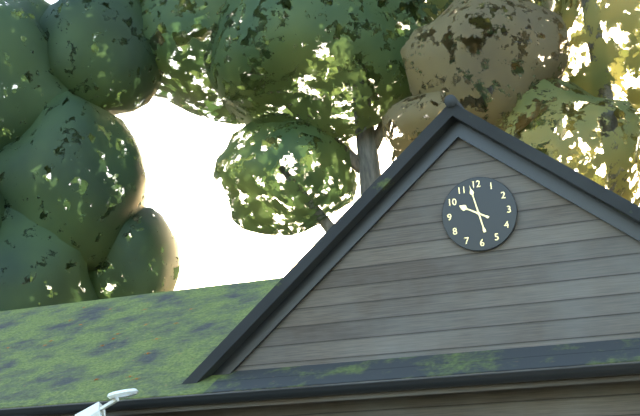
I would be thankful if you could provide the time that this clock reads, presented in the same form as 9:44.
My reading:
9:58
